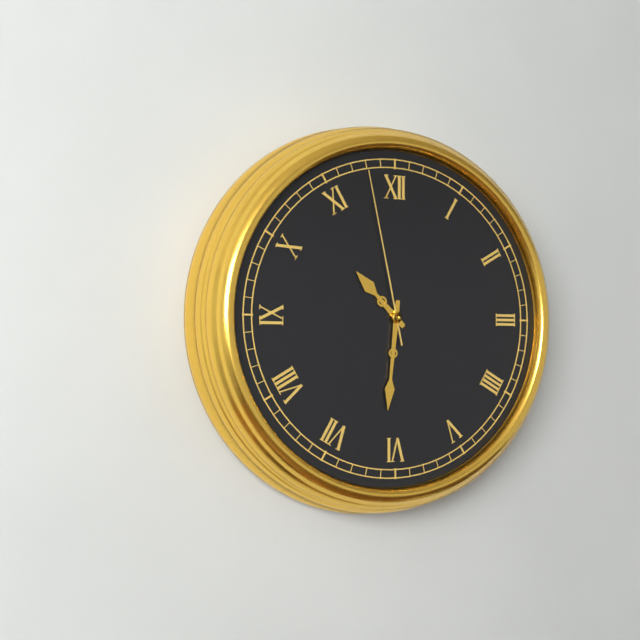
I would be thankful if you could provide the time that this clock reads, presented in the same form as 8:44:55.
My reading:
10:31:58
